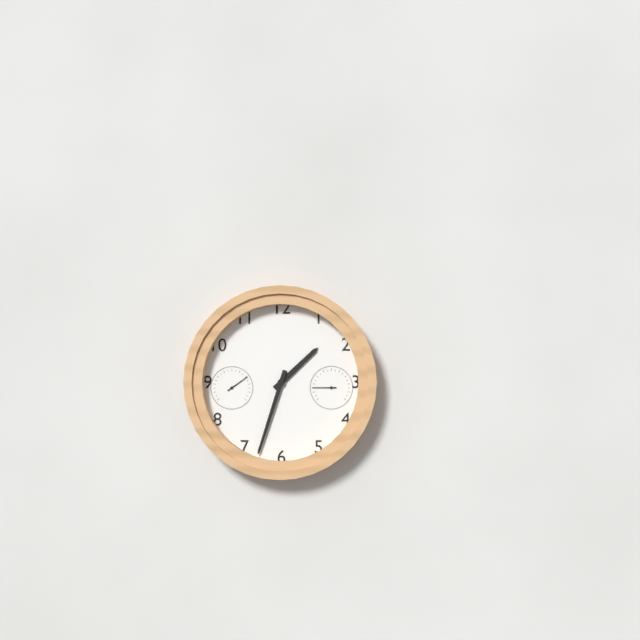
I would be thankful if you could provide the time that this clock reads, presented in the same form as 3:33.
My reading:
1:33
